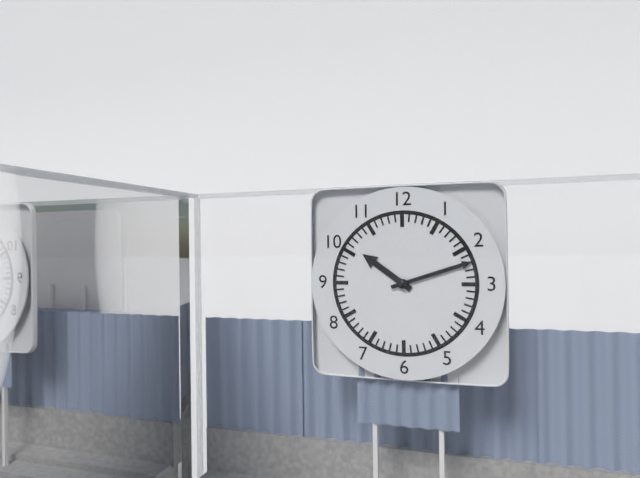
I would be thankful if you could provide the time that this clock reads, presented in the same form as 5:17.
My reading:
10:12
